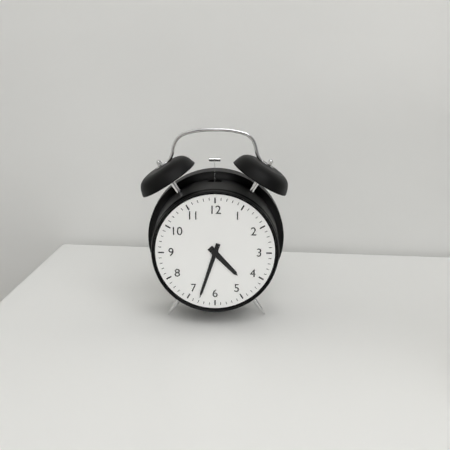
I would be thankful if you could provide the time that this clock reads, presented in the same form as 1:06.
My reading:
4:33
